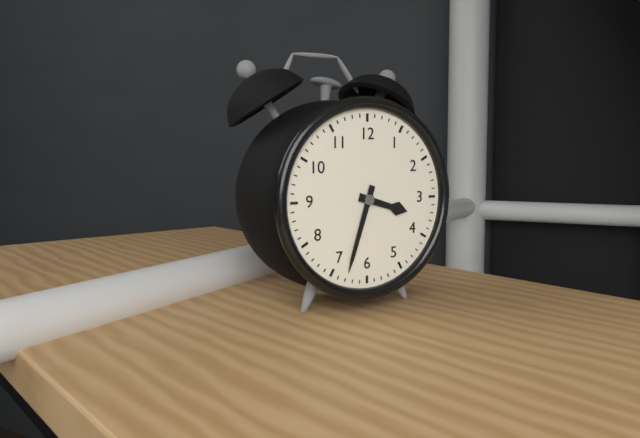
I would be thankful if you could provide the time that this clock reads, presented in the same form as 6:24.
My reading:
3:33
